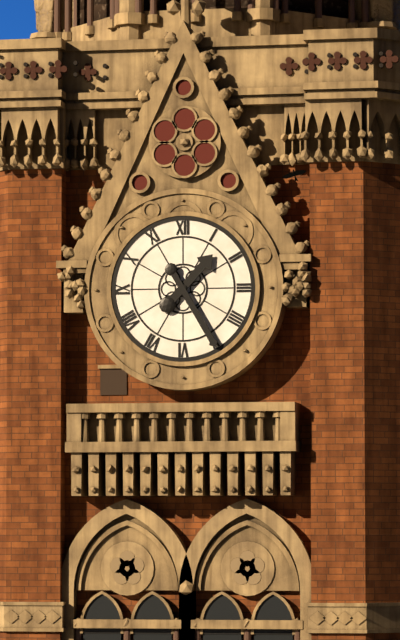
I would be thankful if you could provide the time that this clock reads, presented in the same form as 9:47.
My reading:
1:25
